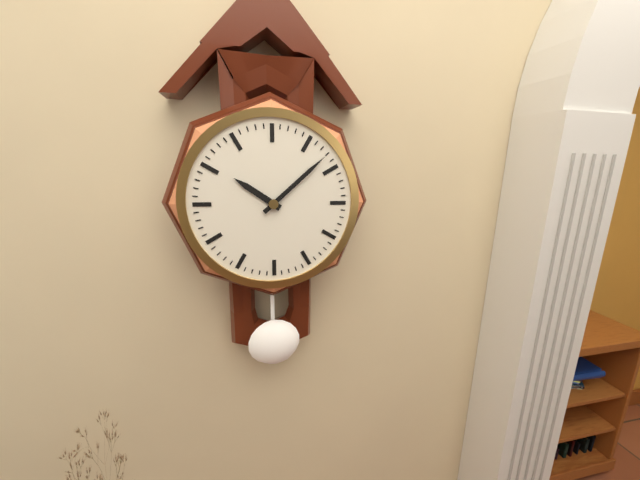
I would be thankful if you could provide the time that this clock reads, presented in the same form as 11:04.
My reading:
10:08
